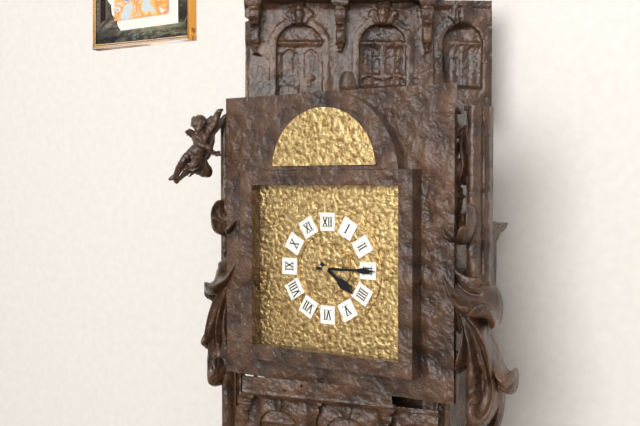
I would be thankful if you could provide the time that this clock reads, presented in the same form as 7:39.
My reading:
4:15
